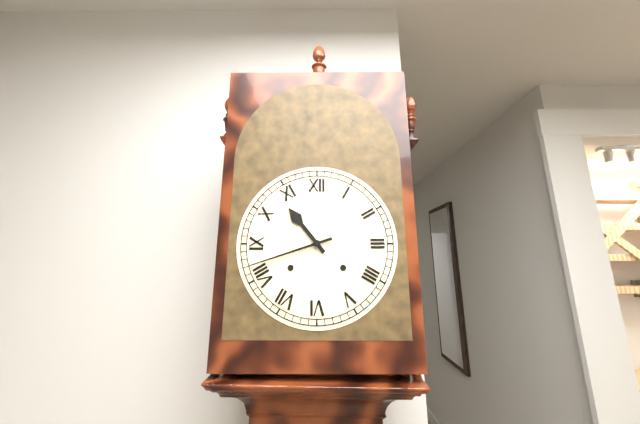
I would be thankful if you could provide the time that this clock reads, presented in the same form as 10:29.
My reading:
10:42
